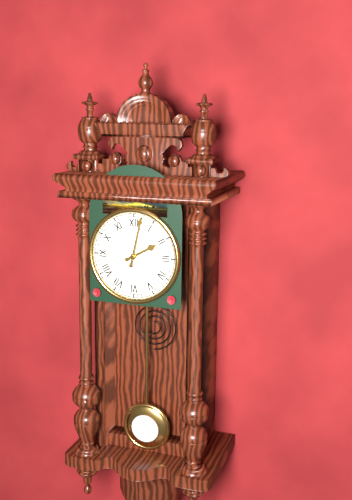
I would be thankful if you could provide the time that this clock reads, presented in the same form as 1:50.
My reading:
2:02
